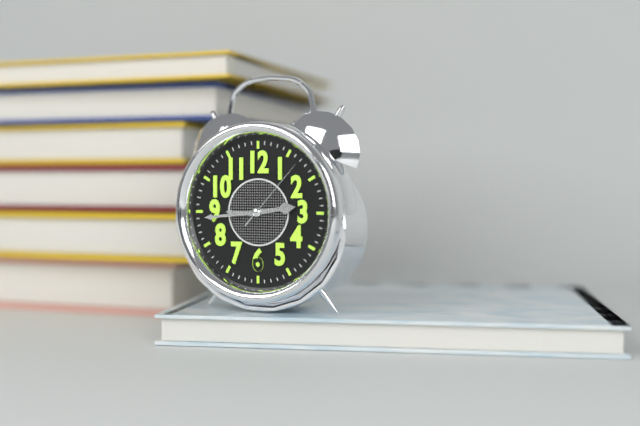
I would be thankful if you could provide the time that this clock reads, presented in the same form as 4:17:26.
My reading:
2:44:07
